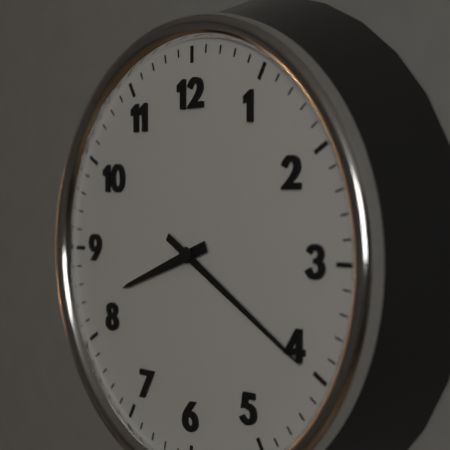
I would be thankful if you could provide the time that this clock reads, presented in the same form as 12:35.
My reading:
8:20
